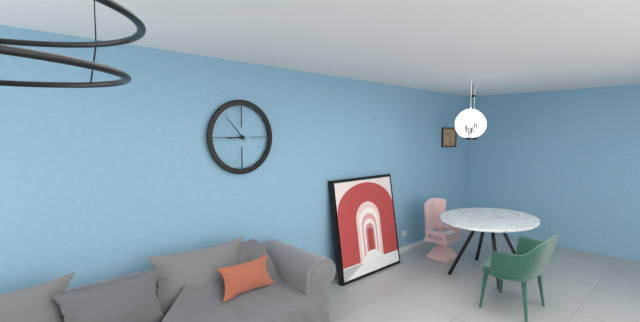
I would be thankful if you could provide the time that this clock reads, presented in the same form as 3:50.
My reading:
8:53
